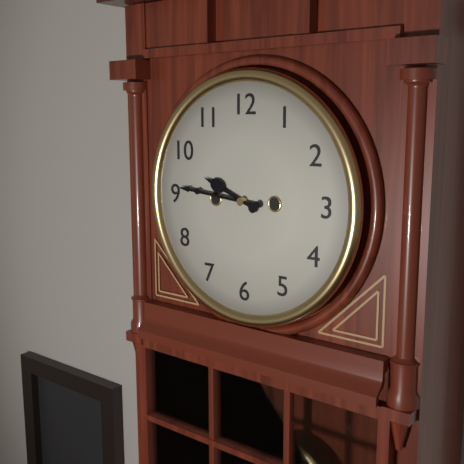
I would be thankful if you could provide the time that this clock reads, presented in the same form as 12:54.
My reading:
9:46
